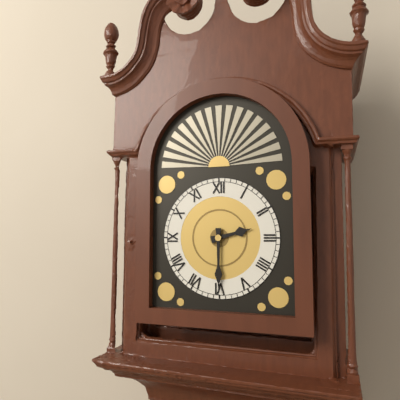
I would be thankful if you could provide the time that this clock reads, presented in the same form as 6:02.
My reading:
2:30
